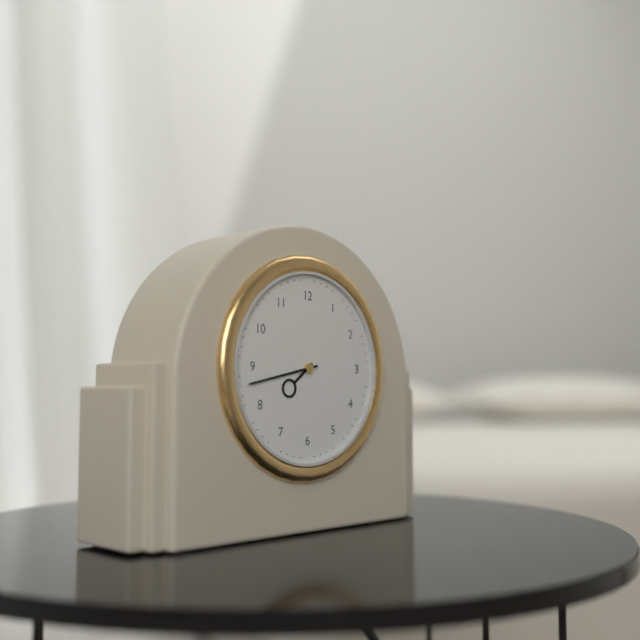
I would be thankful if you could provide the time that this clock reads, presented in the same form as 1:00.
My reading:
7:43
